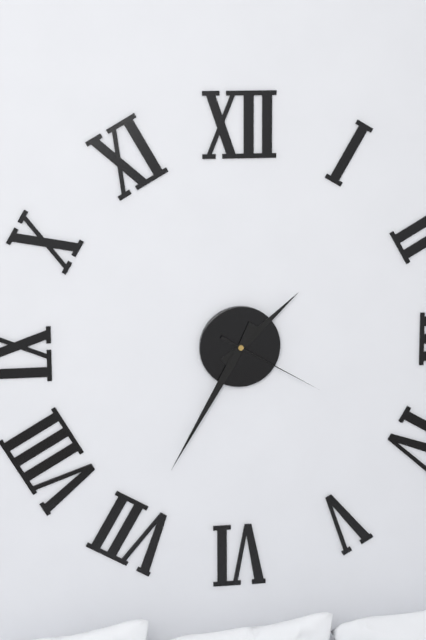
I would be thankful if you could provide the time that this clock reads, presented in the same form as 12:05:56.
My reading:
1:35:20
